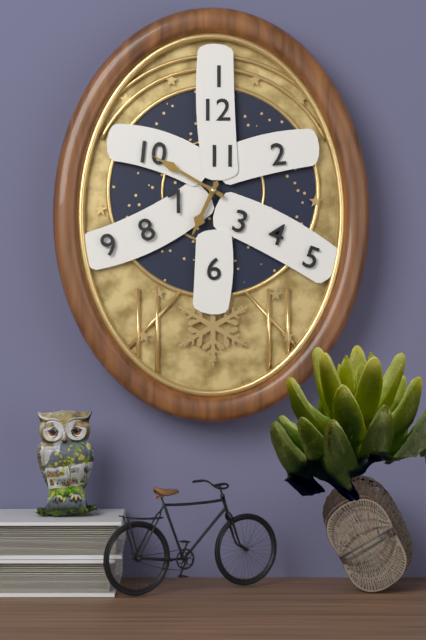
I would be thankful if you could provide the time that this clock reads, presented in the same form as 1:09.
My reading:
6:50
